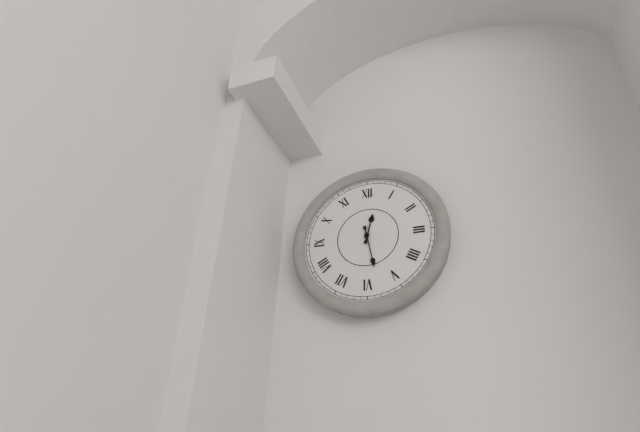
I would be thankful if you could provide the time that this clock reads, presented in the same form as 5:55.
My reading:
12:28
